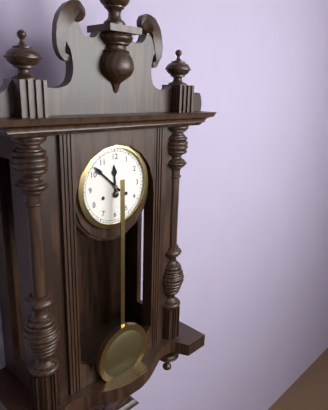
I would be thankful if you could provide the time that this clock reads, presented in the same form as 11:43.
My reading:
11:52
